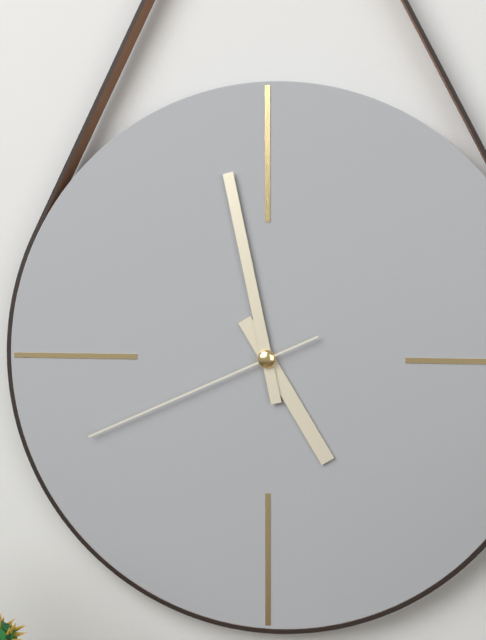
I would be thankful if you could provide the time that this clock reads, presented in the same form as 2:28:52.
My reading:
4:58:41
